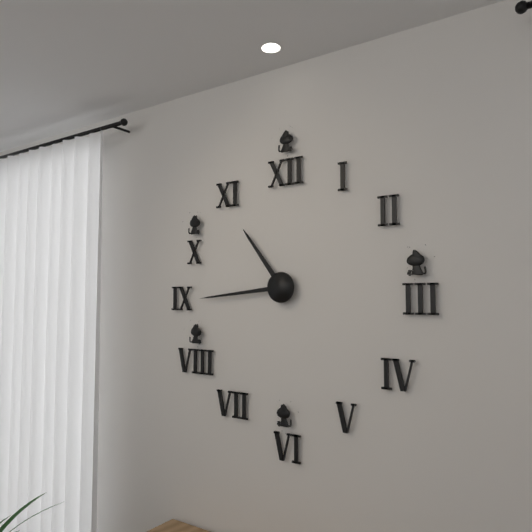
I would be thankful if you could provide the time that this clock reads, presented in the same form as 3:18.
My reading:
10:44
